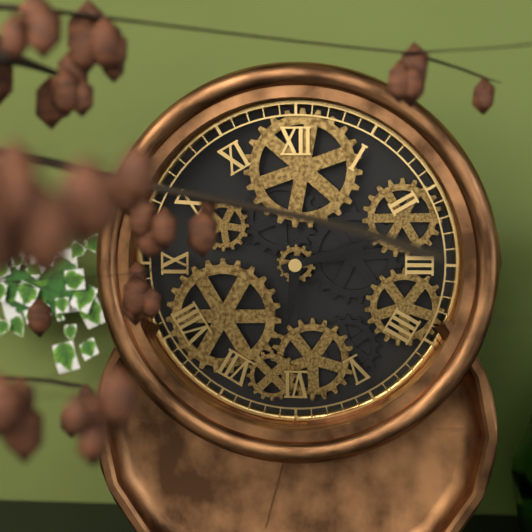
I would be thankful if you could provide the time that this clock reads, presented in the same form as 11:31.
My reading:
6:12
